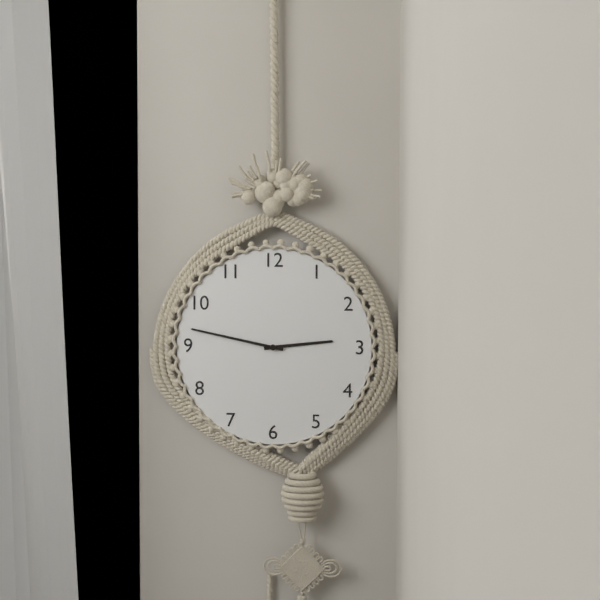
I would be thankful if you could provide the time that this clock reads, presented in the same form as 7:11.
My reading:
2:47
